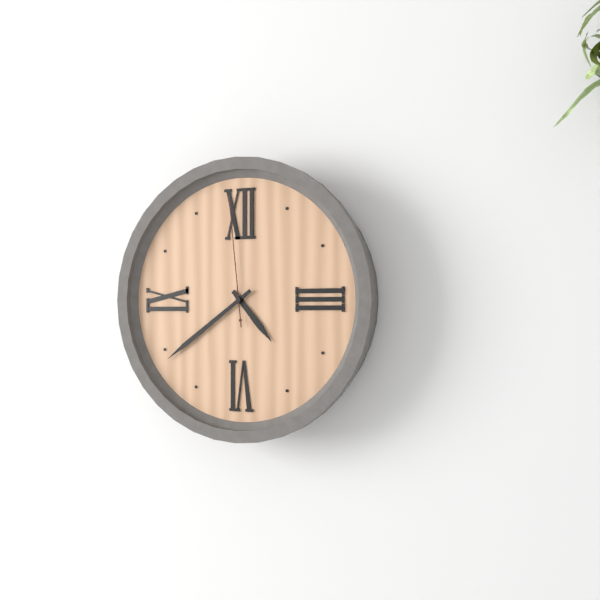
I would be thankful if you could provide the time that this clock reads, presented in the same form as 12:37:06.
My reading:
4:39:59
